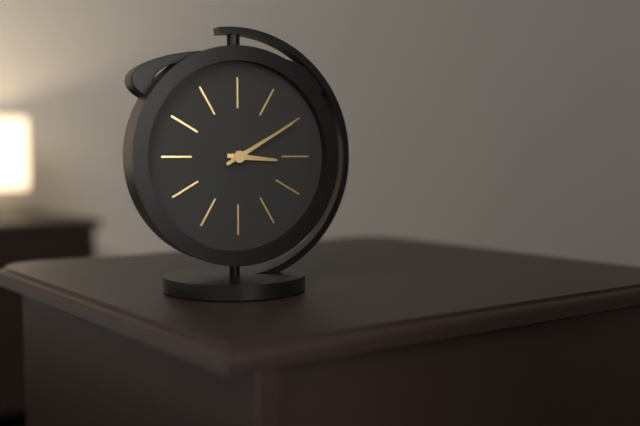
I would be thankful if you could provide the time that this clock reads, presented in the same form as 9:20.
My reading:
3:10
